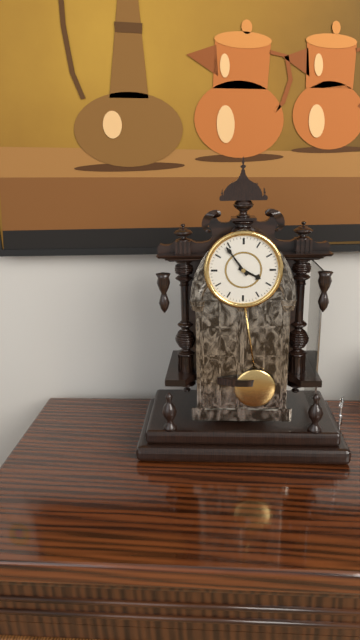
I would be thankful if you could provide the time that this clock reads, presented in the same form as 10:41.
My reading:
3:54
